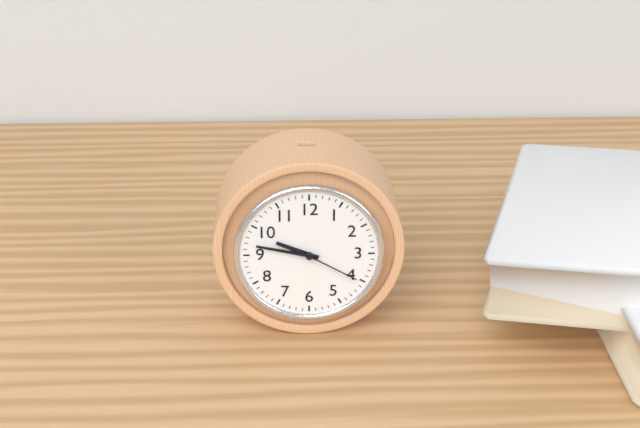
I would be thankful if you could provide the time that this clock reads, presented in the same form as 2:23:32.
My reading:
9:47:20
